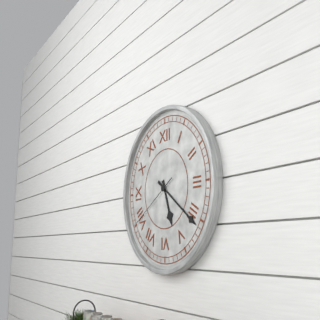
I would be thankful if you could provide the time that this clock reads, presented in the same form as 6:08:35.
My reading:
5:21:40
